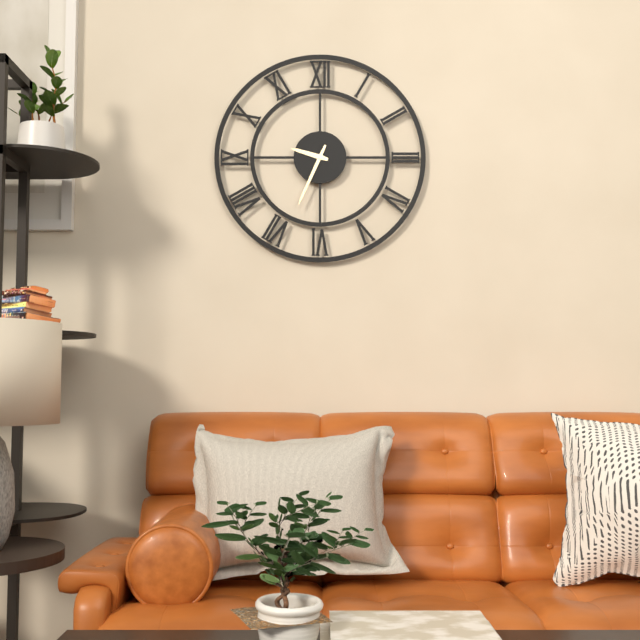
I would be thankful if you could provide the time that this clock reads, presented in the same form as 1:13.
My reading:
9:34
